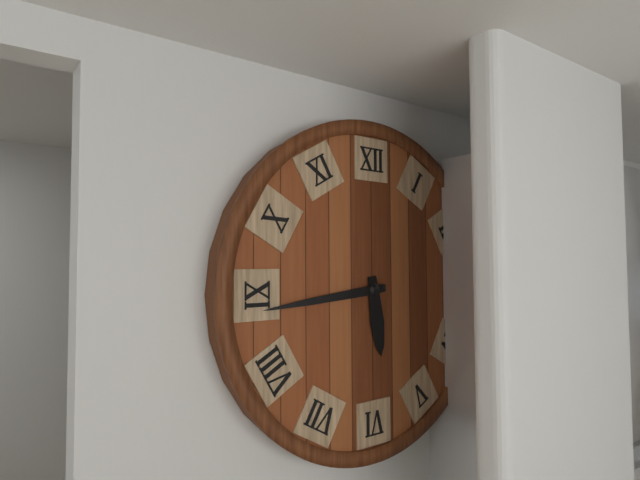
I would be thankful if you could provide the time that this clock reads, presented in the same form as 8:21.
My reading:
5:44
